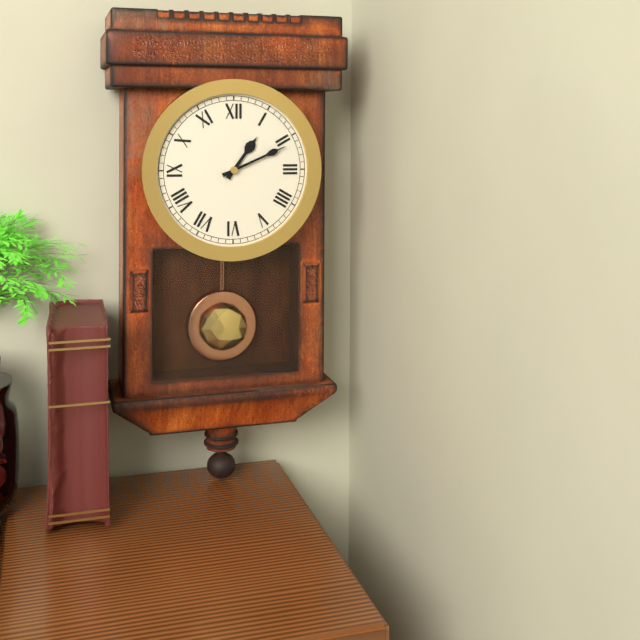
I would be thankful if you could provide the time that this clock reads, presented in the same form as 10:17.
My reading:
1:11
